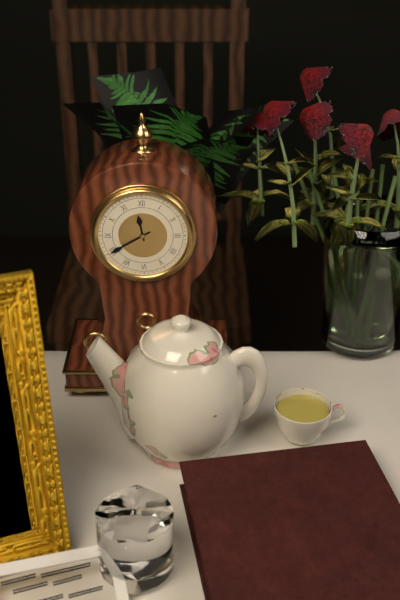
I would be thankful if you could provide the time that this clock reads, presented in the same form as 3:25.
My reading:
11:40
